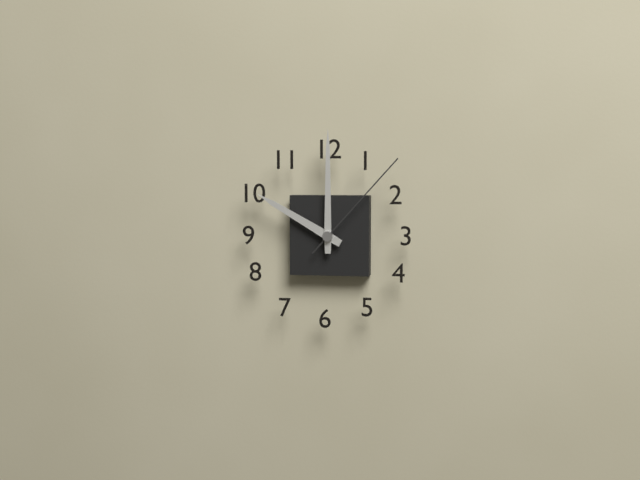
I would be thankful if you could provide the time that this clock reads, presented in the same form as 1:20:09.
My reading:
10:00:07
